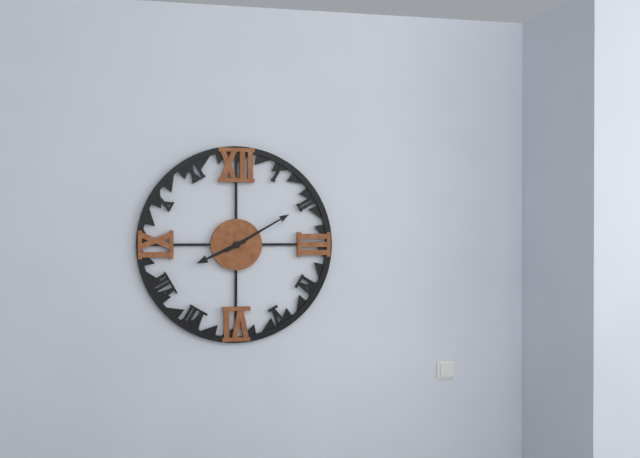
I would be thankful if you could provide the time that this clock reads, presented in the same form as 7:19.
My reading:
8:10
